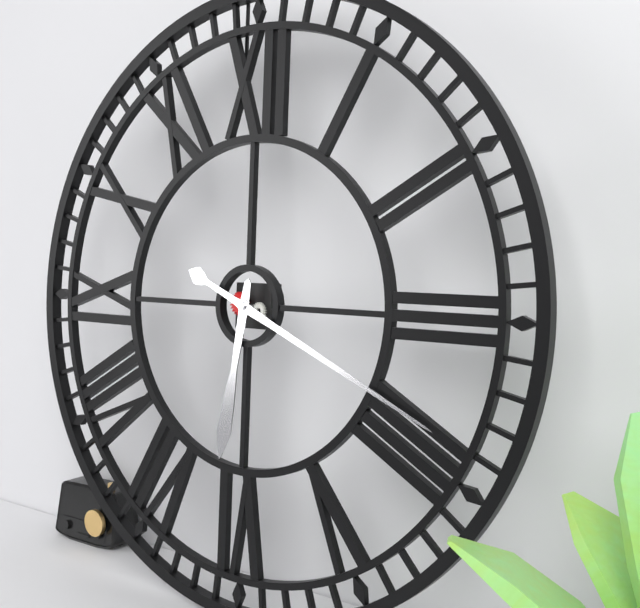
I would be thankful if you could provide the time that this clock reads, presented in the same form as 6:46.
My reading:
6:19
